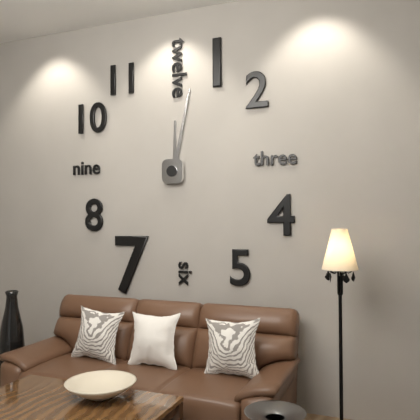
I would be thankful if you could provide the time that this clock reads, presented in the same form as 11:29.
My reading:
12:02
